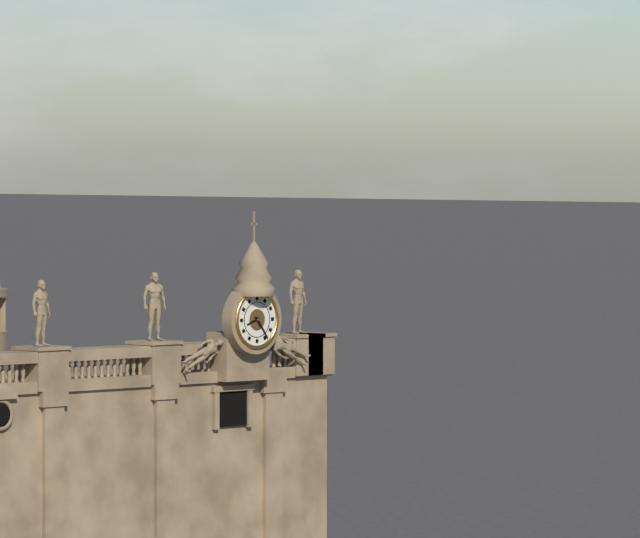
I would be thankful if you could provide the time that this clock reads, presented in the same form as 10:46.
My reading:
8:24
